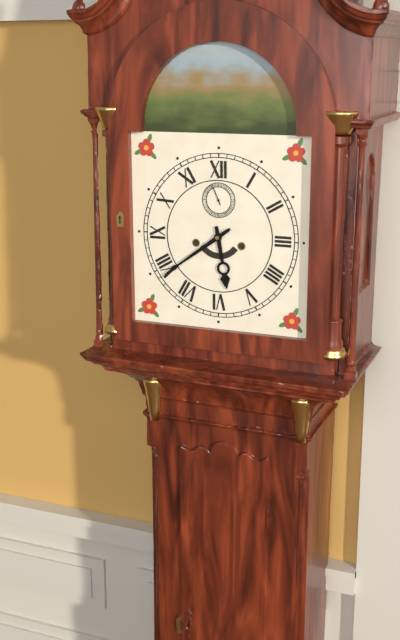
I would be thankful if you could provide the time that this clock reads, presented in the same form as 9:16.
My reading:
5:39
